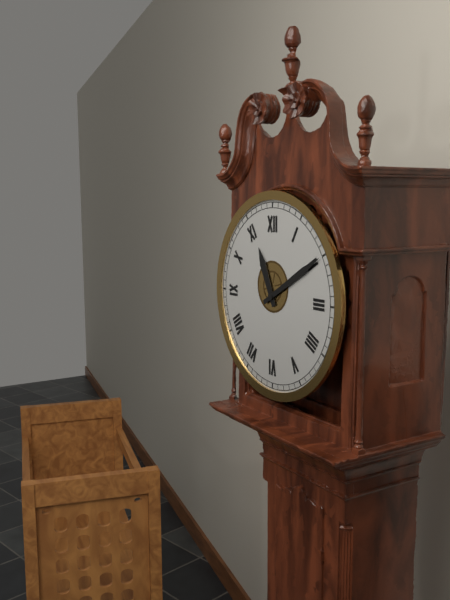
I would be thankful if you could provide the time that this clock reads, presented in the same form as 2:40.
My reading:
11:10
